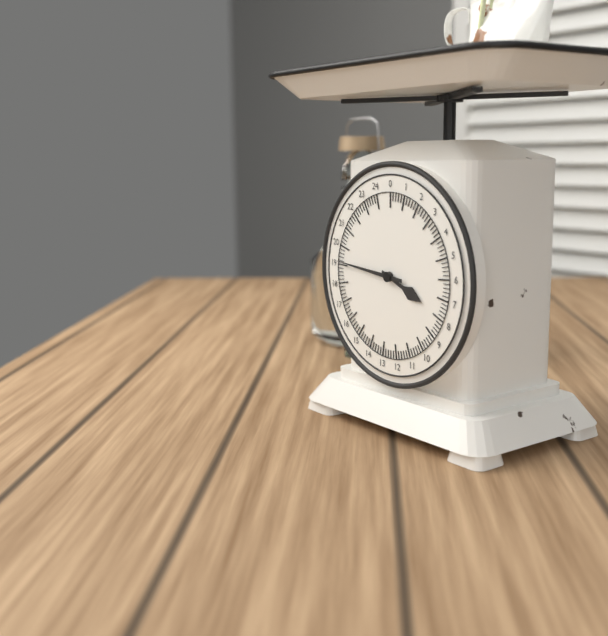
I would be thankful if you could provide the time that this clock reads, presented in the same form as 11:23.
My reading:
3:46
